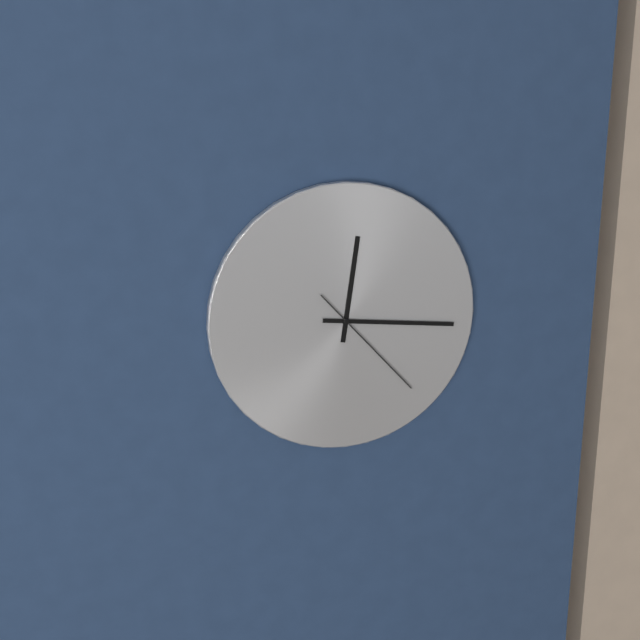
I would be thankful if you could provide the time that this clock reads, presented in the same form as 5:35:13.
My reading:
12:16:23
